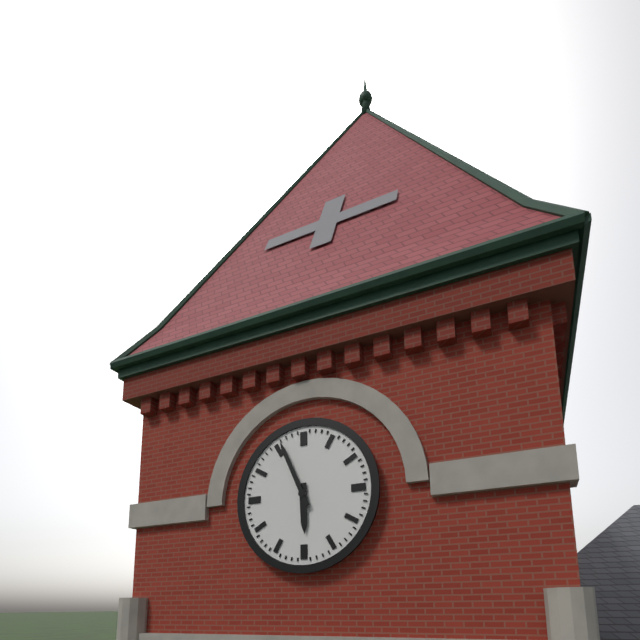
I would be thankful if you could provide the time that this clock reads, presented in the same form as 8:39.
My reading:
5:56
